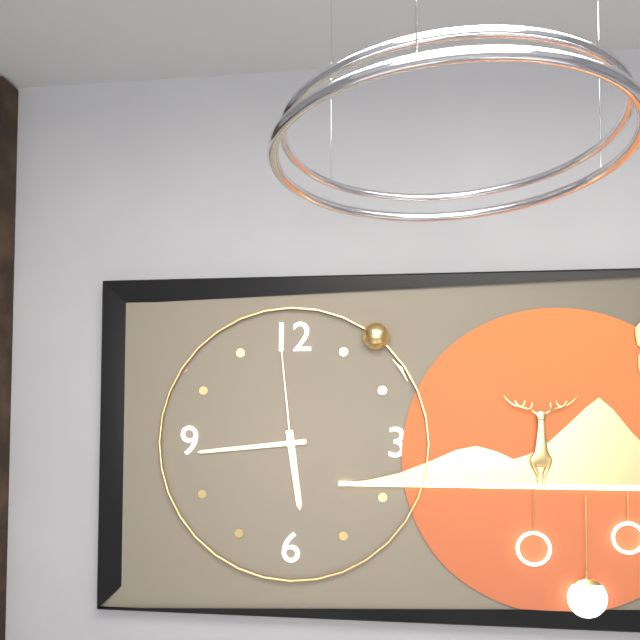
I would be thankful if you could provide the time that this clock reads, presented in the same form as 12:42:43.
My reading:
5:44:59
